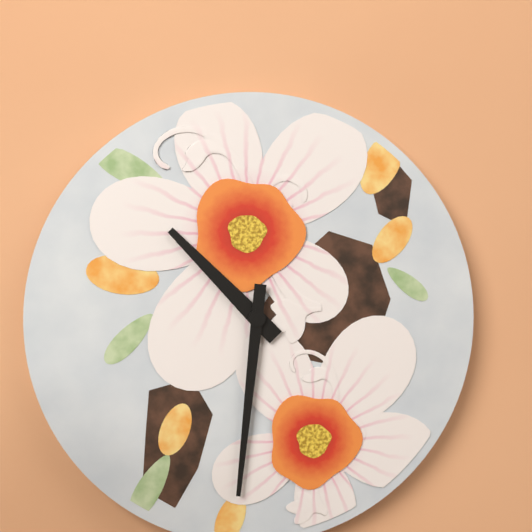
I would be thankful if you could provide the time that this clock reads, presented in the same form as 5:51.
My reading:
10:31
